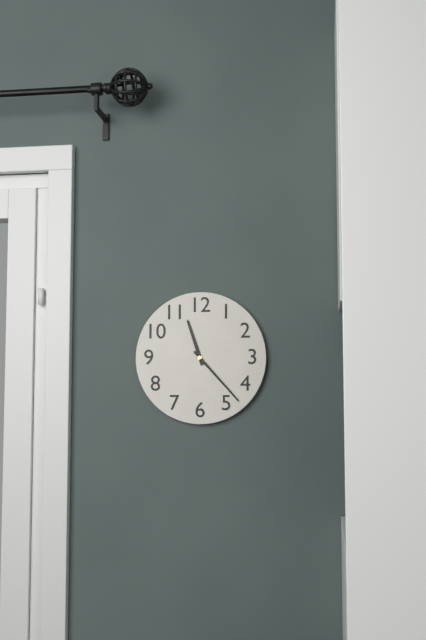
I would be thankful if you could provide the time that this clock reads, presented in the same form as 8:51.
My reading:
11:23
